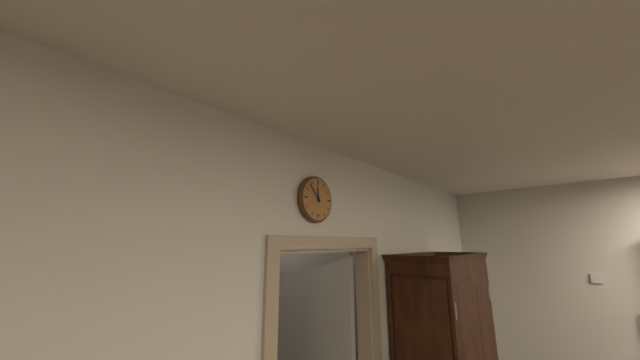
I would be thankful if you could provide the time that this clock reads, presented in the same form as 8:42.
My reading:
11:53
